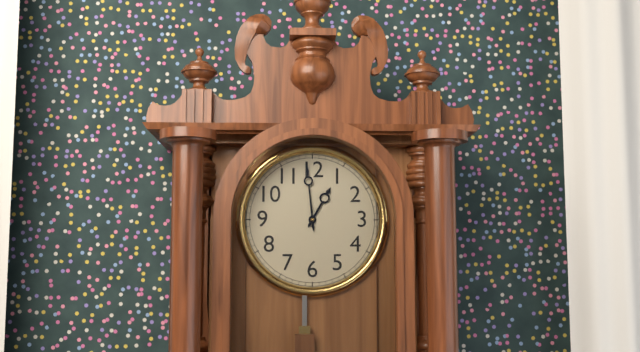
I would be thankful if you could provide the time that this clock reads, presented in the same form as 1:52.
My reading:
12:59
